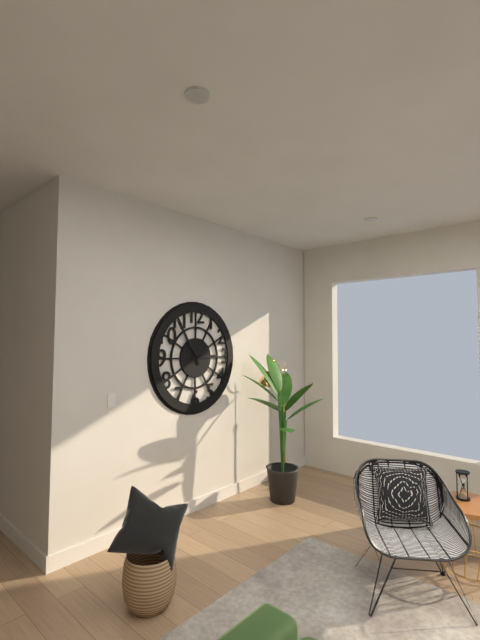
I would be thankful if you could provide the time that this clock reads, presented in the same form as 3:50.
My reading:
2:54
